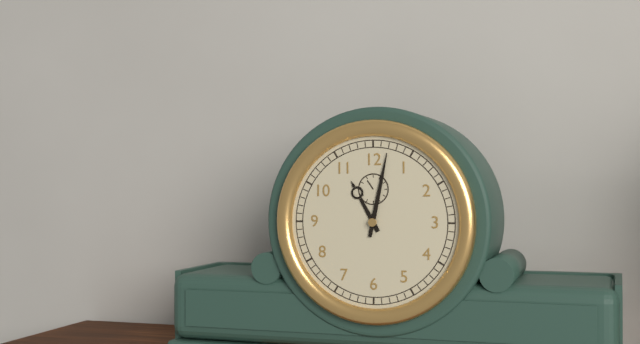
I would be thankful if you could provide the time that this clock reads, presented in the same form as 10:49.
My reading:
11:02
